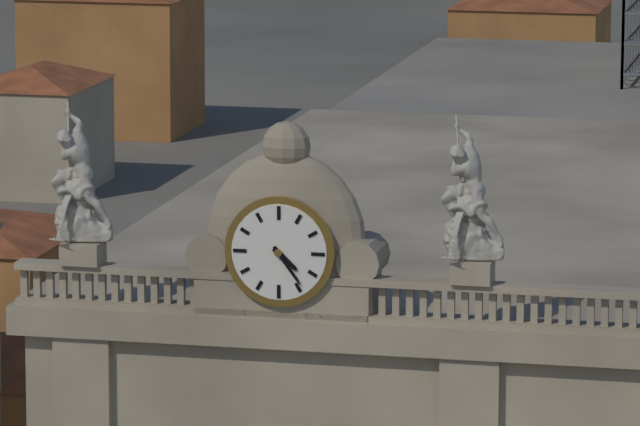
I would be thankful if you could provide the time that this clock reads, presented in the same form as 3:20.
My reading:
4:24
